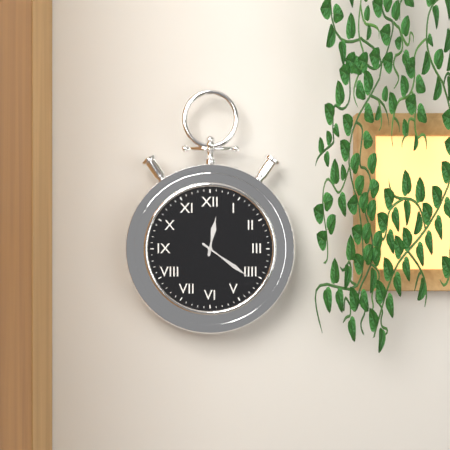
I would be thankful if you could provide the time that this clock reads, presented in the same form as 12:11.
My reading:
12:21
